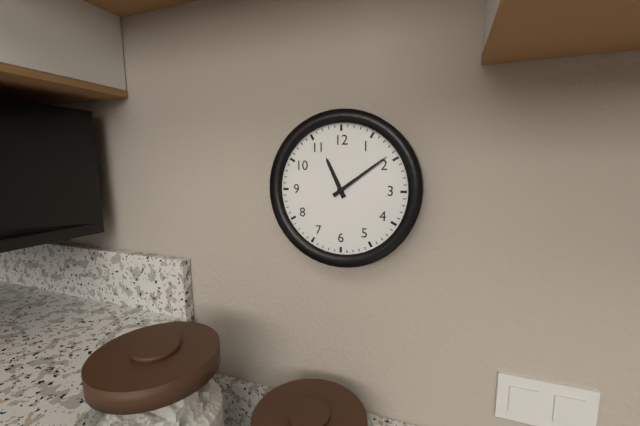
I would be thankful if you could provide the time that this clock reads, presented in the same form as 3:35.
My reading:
11:09
